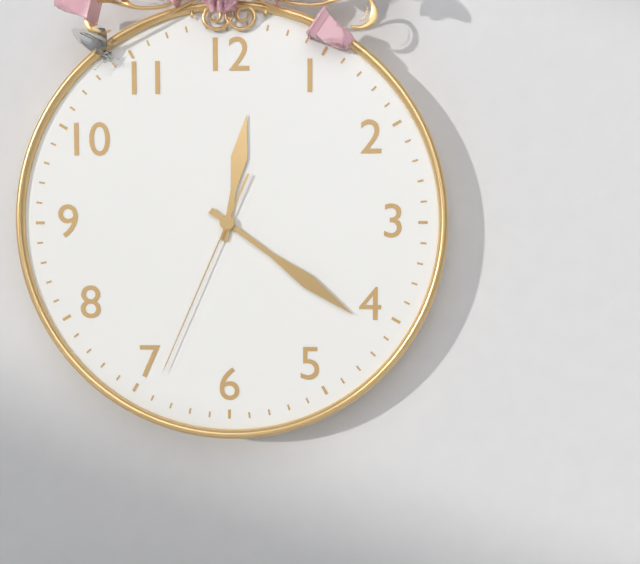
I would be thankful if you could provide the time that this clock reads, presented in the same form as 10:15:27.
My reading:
12:21:34
